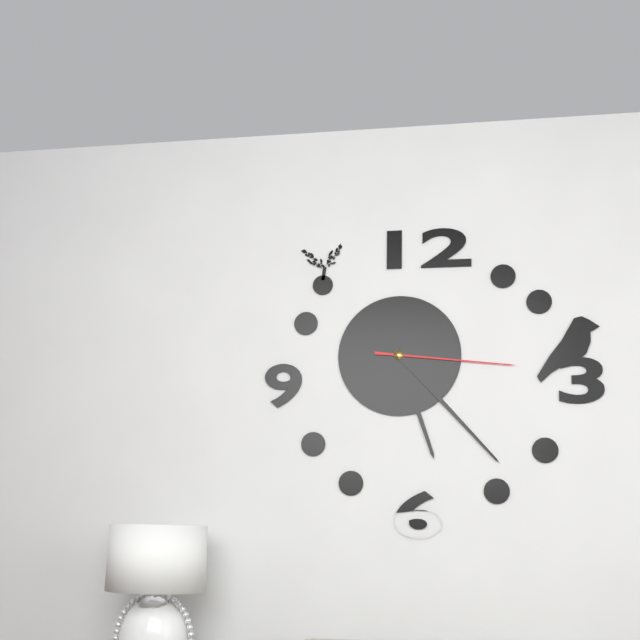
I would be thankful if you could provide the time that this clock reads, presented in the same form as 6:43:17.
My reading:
5:23:16
